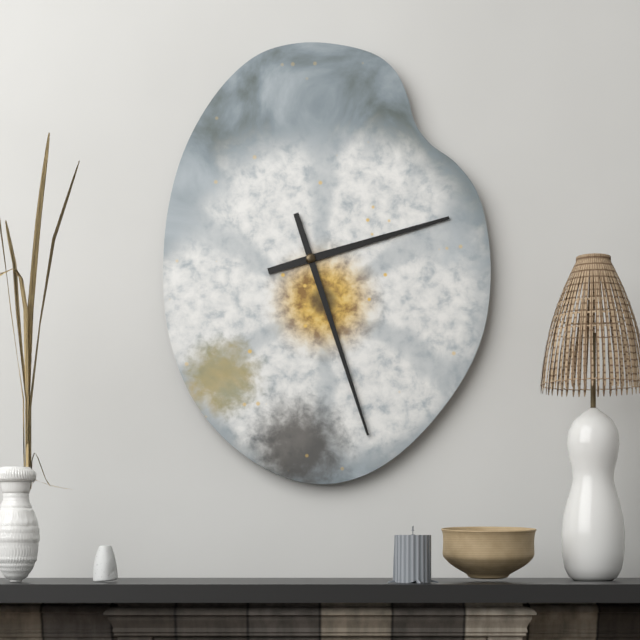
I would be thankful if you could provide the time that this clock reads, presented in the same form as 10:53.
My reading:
2:27
